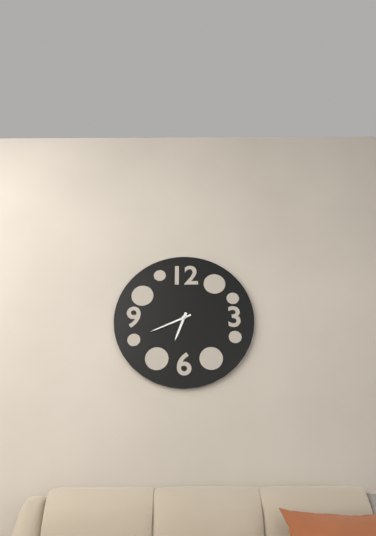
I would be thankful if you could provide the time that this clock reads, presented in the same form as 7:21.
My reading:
6:41
